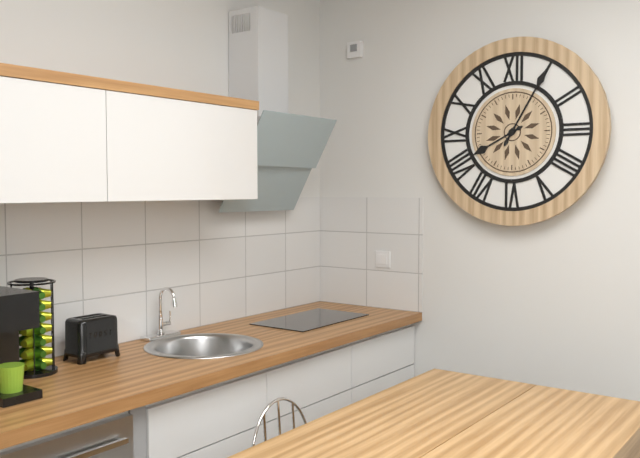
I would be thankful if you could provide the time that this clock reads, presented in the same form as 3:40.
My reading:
8:05
